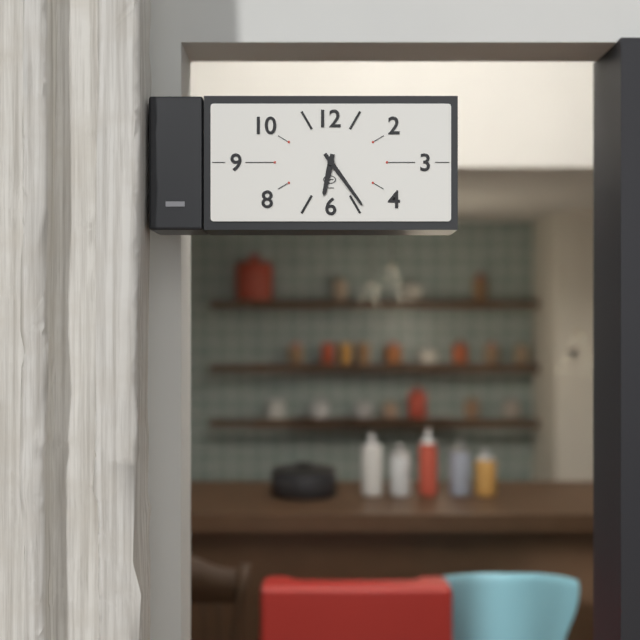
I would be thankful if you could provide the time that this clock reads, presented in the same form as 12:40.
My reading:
6:24
